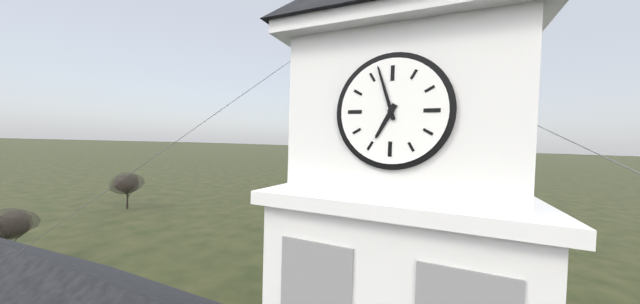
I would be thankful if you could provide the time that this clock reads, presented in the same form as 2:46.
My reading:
6:57
